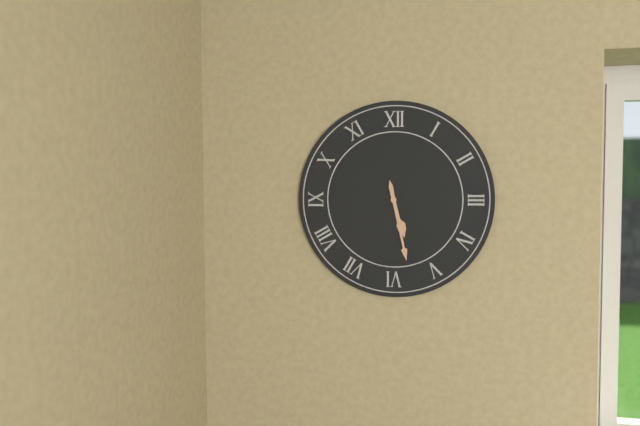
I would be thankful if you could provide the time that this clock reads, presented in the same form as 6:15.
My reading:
5:28
